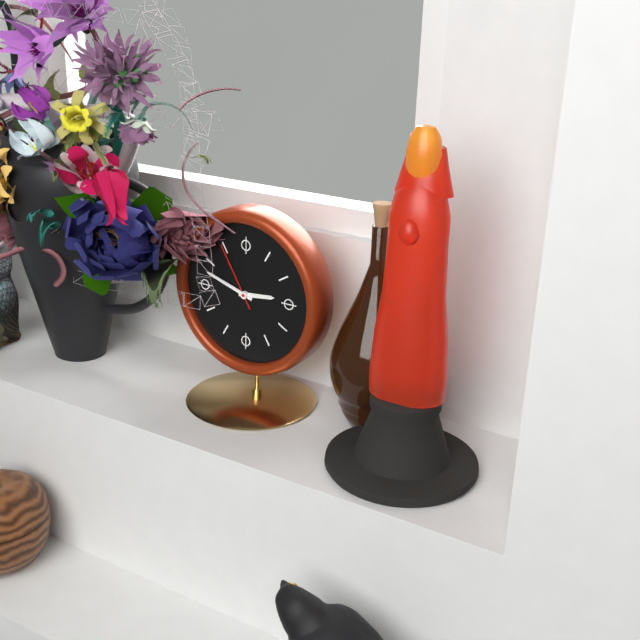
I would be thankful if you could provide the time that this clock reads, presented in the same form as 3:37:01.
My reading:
2:48:55
